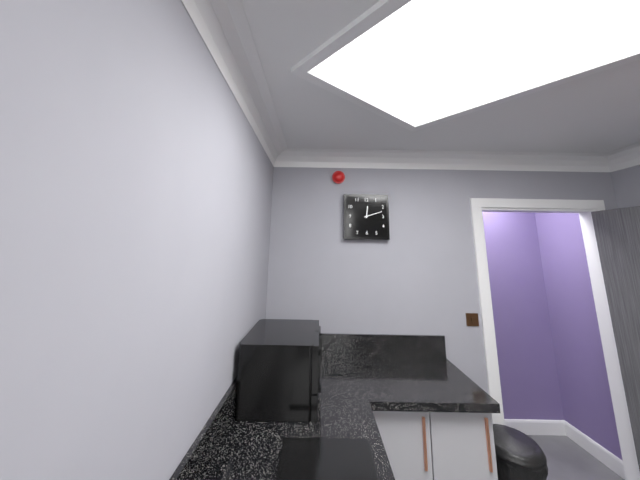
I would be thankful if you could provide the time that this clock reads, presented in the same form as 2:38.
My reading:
12:12
